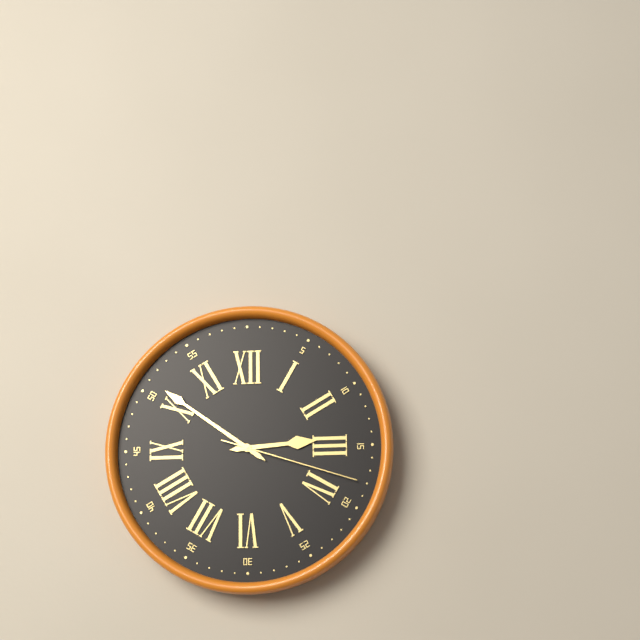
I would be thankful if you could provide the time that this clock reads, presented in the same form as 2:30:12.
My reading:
2:51:18
